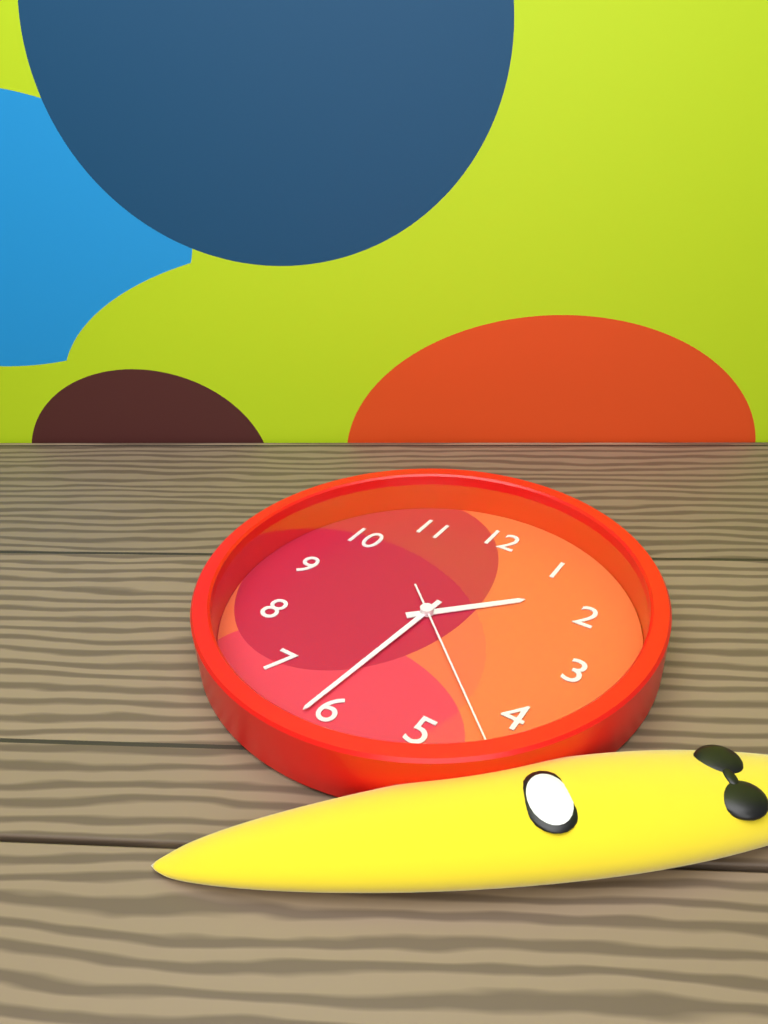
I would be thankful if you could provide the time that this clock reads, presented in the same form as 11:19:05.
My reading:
1:31:22
